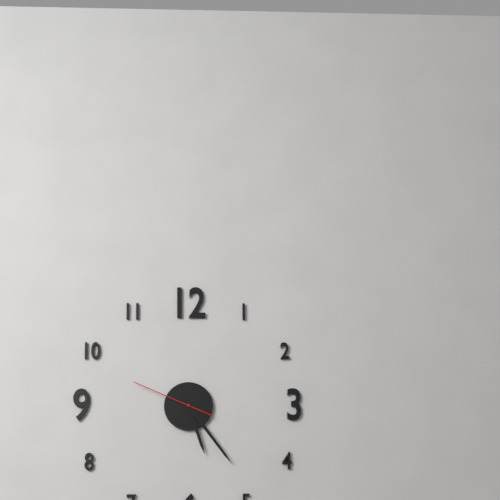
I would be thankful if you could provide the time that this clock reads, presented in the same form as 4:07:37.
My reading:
5:24:49
